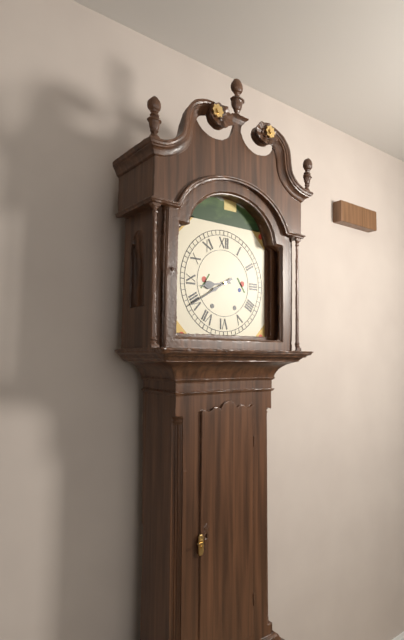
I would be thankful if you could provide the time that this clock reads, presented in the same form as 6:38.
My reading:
8:40
